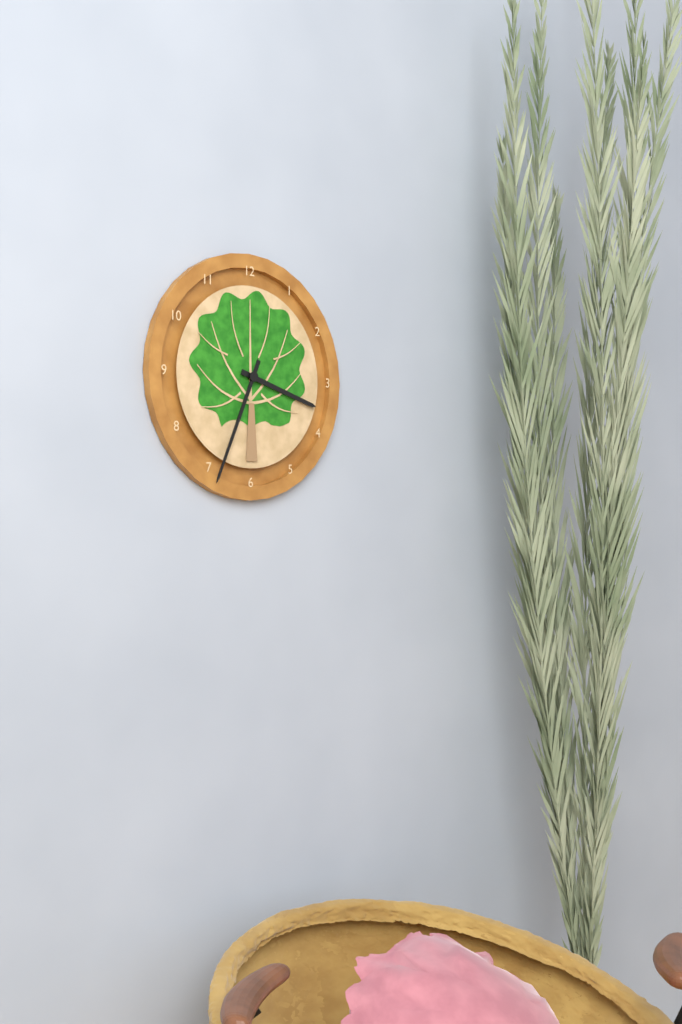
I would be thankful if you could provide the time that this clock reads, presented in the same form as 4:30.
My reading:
3:34
